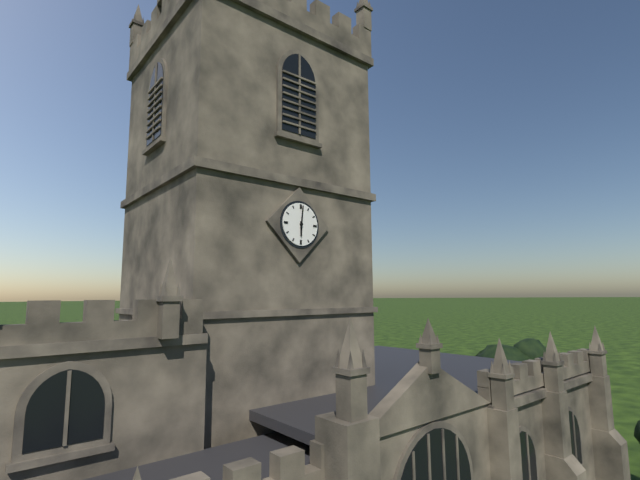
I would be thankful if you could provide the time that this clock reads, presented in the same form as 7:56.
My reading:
6:01
